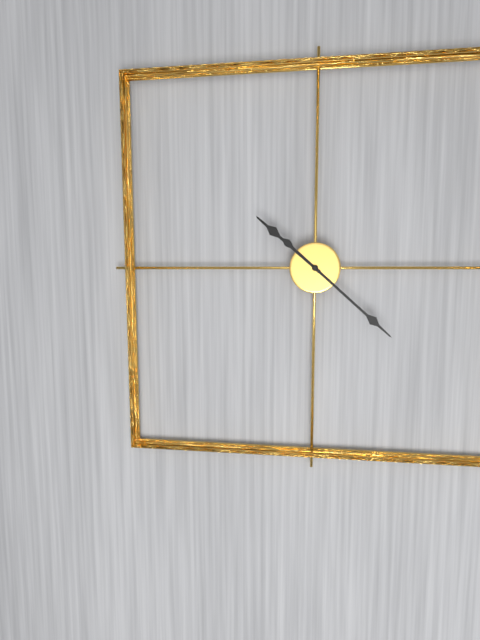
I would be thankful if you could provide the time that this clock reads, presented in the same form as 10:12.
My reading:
10:22
